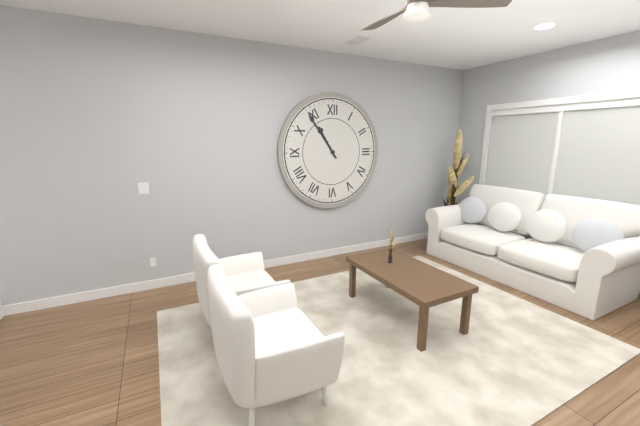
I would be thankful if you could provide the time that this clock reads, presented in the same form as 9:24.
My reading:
10:54
